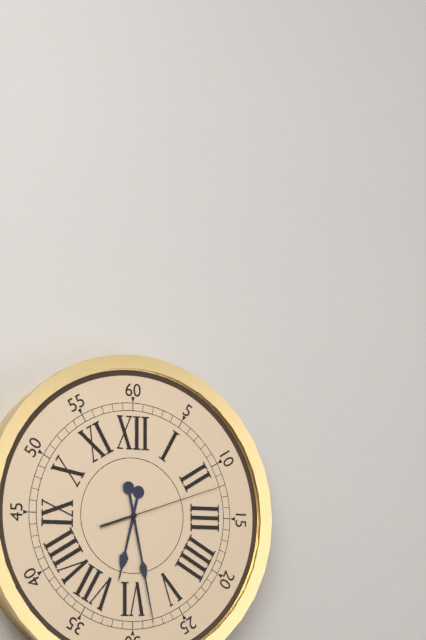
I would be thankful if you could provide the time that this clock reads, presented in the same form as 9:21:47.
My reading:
6:28:12
